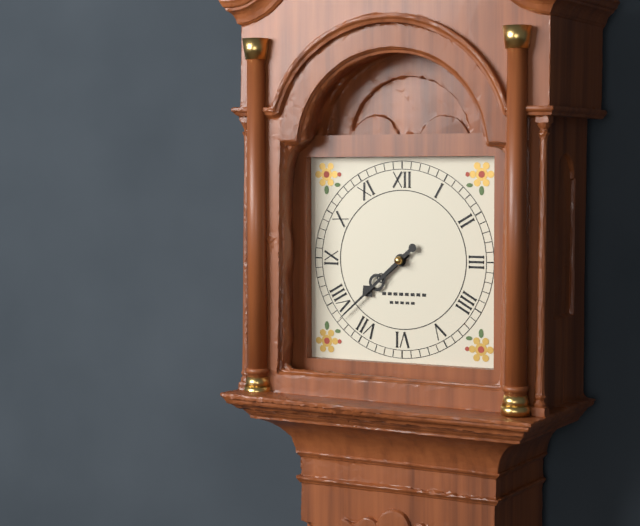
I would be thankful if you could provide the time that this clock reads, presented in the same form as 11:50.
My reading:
7:38
